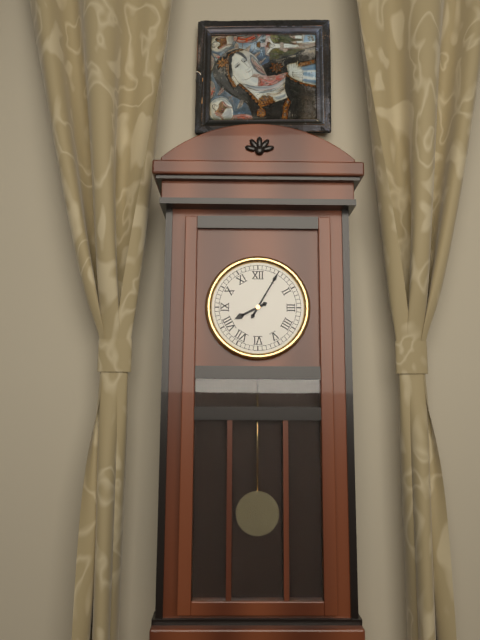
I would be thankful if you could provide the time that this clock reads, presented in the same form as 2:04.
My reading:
8:05
